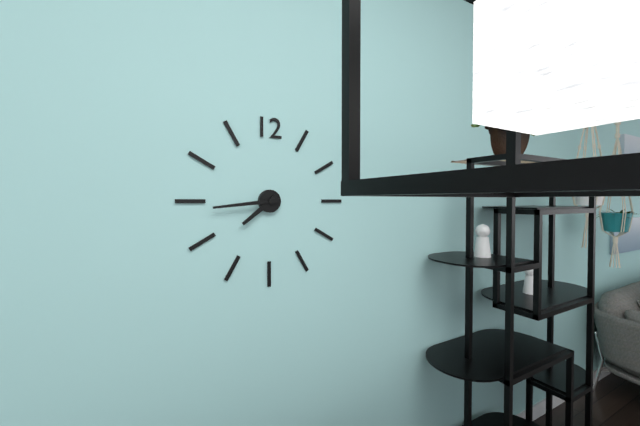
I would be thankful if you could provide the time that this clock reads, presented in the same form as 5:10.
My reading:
7:44
